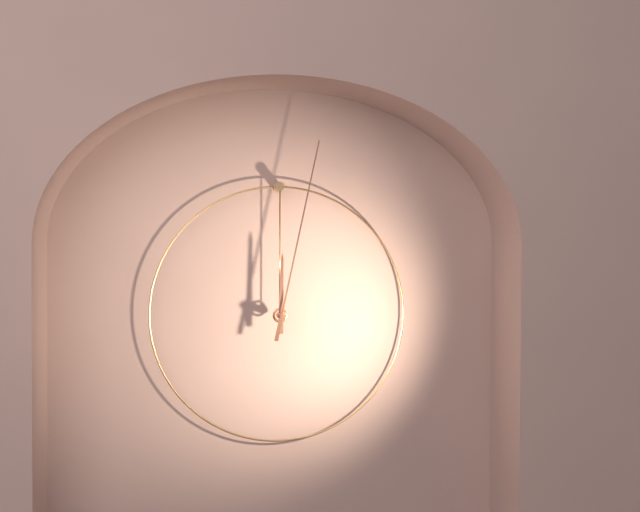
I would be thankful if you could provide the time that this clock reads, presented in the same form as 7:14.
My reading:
12:02
